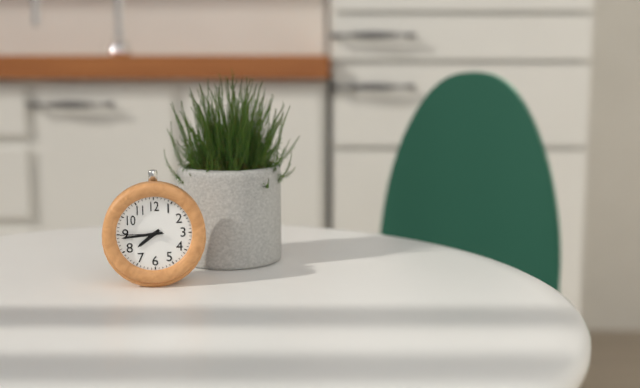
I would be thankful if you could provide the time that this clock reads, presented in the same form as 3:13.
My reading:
7:44
